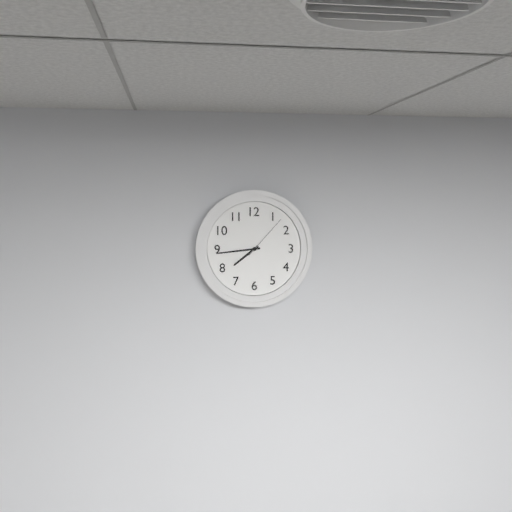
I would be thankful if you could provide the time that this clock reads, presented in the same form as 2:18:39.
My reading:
7:44:07
